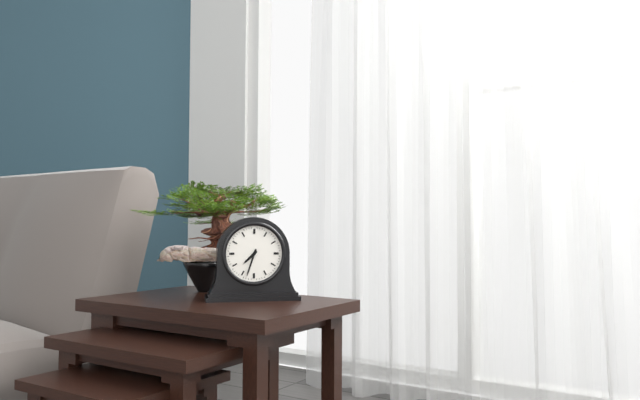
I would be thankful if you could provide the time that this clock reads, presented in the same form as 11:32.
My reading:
7:33
